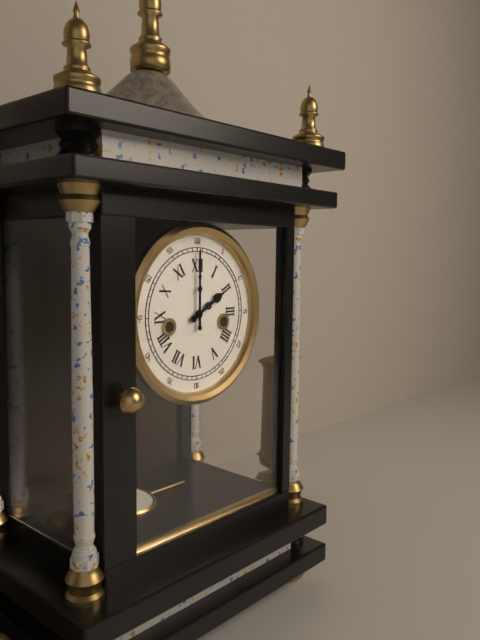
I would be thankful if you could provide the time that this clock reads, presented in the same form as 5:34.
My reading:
2:00
